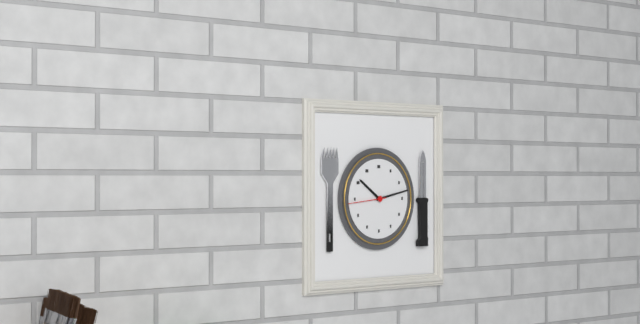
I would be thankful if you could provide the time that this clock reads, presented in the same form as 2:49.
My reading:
10:13
